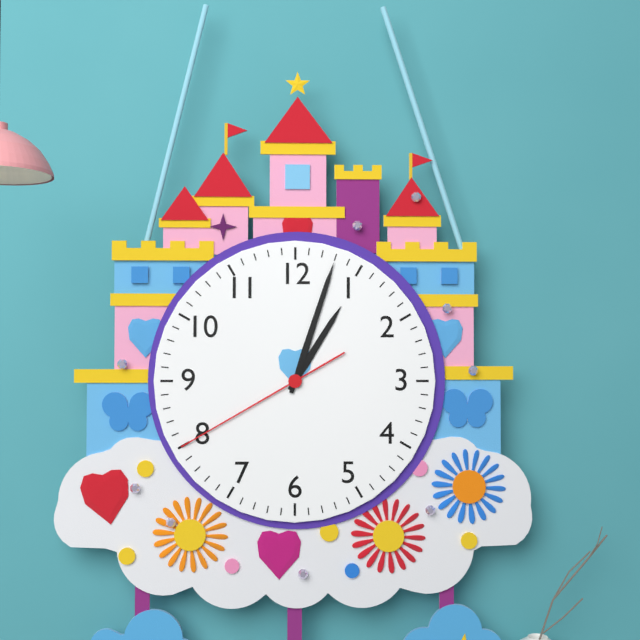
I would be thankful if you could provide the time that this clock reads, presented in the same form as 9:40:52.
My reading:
1:03:40
